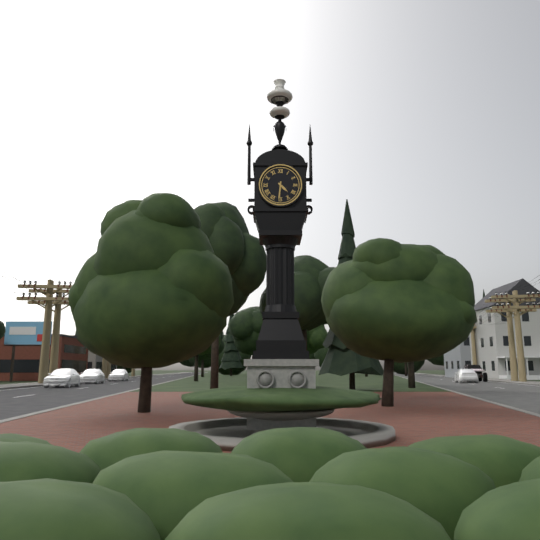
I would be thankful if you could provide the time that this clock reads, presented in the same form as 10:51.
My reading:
4:31
